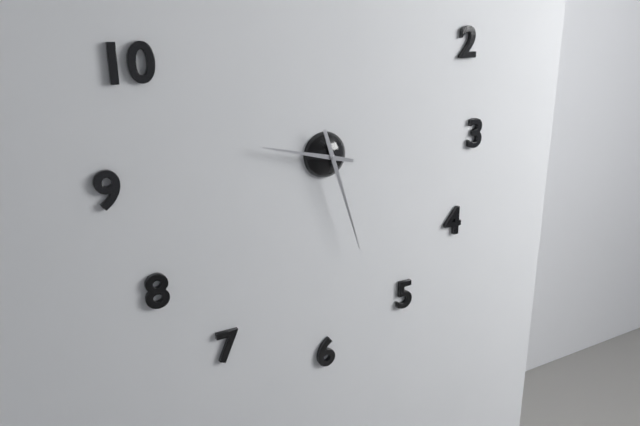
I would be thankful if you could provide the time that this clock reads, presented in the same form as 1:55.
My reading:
9:27
